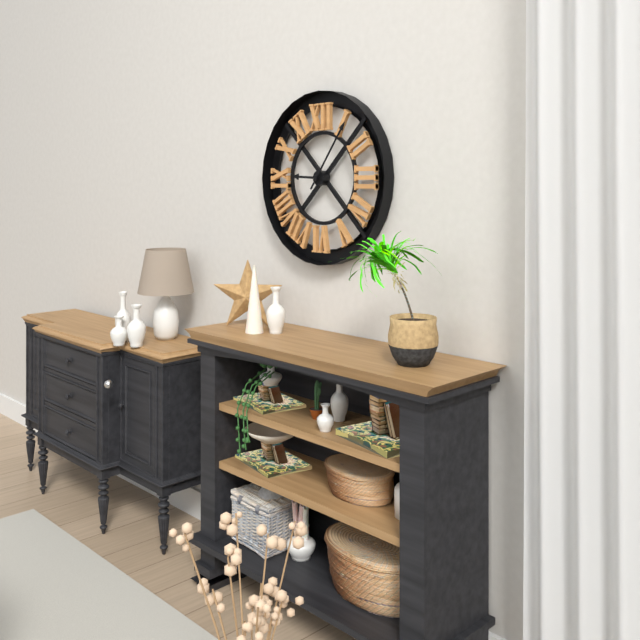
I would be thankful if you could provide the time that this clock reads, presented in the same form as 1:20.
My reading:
9:06
